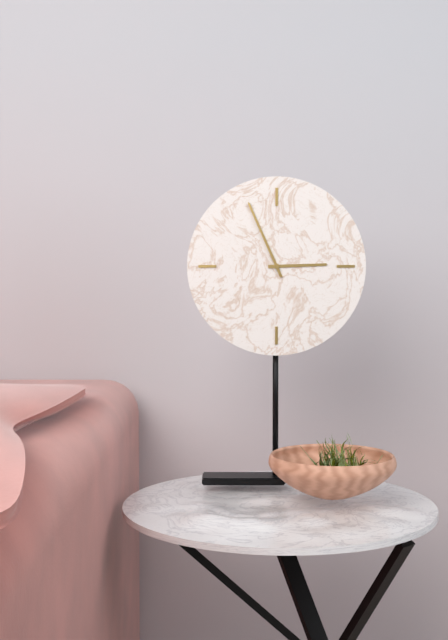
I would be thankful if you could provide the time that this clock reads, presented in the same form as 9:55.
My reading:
2:56
